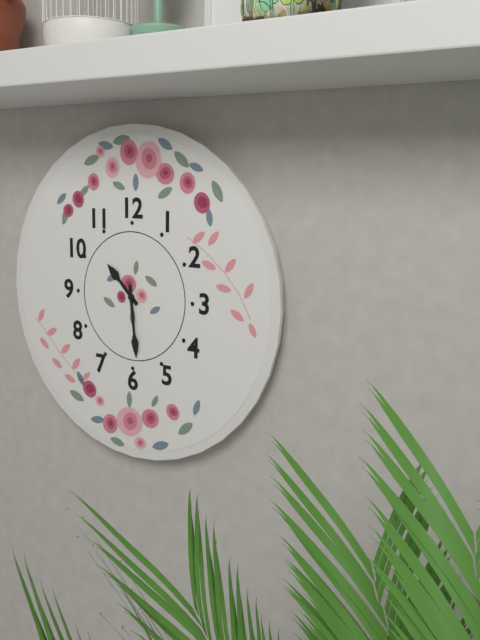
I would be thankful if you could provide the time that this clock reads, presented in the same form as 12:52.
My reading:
10:29
